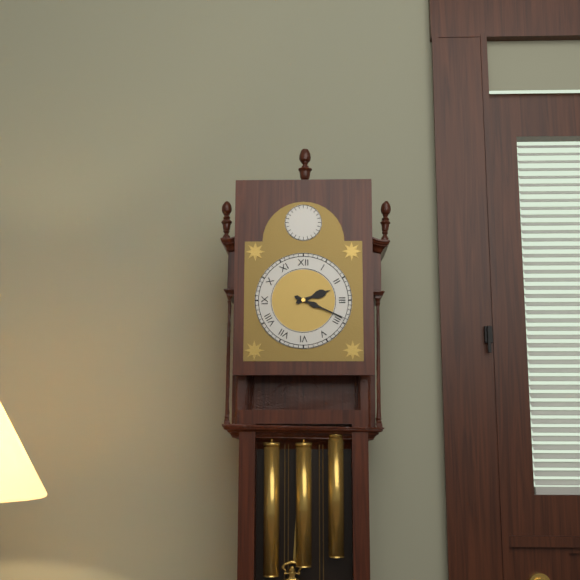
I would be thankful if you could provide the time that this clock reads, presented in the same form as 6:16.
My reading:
2:19
